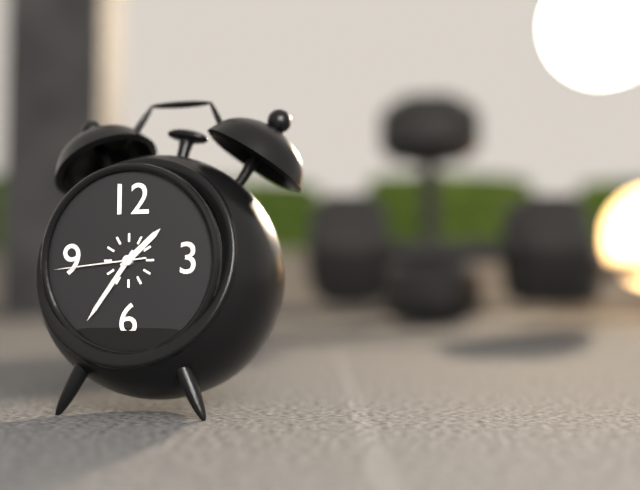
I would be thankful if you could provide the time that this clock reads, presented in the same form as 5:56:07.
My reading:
1:36:44
